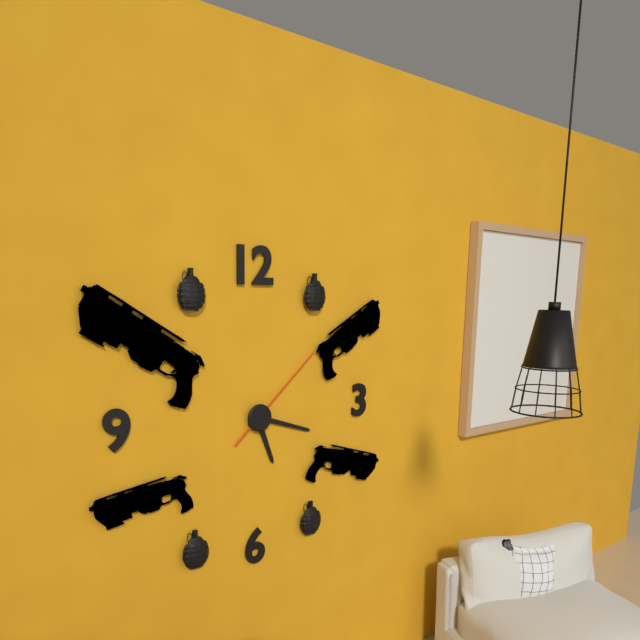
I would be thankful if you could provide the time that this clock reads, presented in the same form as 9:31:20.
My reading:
5:18:08
